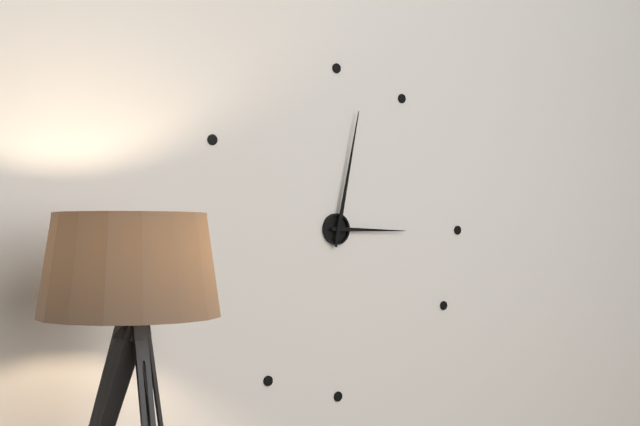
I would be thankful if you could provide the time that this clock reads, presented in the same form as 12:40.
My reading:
3:02
